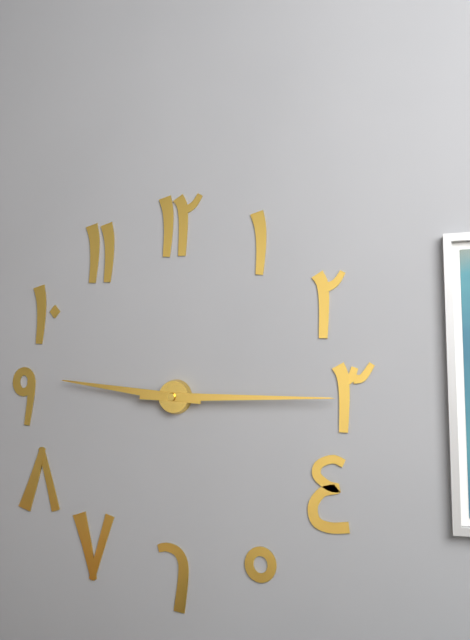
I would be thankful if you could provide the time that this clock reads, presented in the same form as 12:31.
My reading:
9:15
